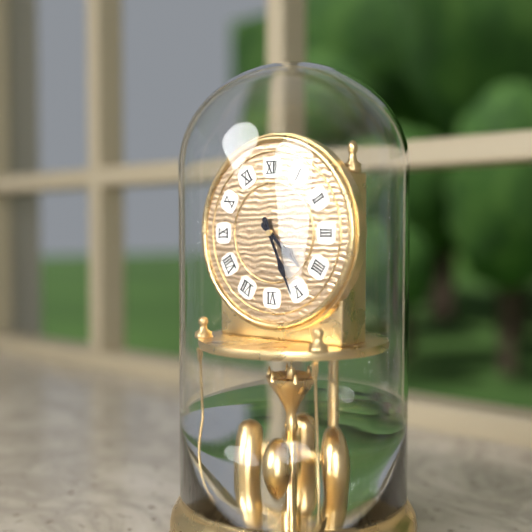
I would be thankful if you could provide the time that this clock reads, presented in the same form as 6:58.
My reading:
4:26
